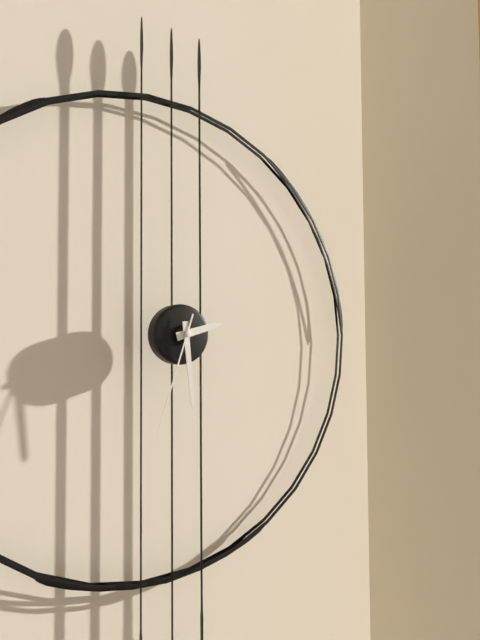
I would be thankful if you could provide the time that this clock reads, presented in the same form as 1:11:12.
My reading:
2:29:33
